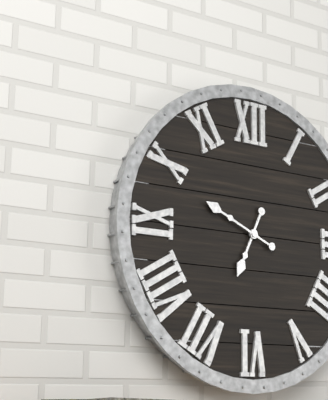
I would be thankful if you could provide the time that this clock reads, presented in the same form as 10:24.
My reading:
6:49
